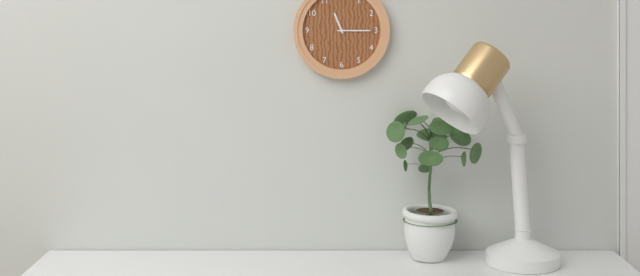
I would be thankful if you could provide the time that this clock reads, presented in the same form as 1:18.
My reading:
11:15
